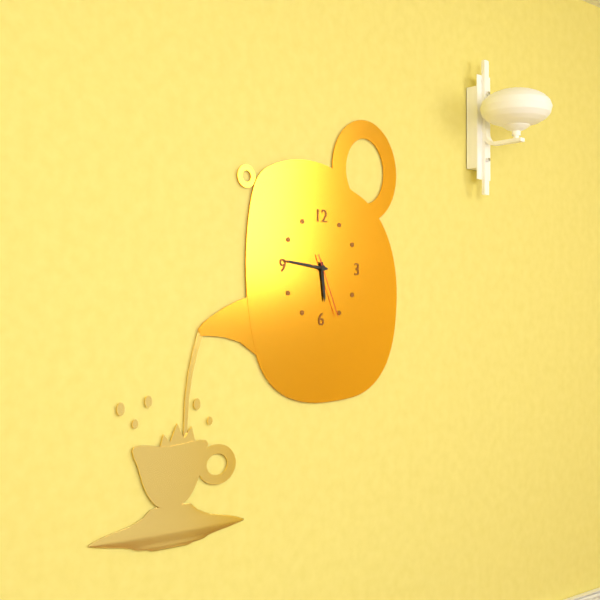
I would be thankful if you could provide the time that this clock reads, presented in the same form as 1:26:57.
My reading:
5:46:26
